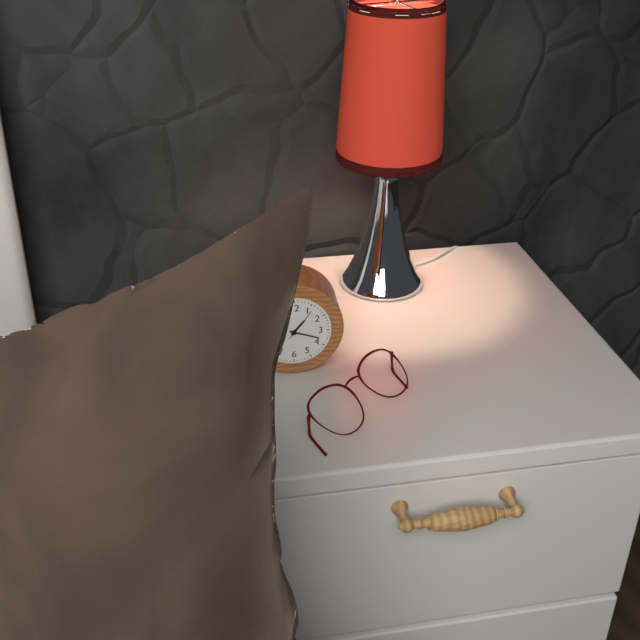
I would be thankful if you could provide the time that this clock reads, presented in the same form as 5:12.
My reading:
1:18
